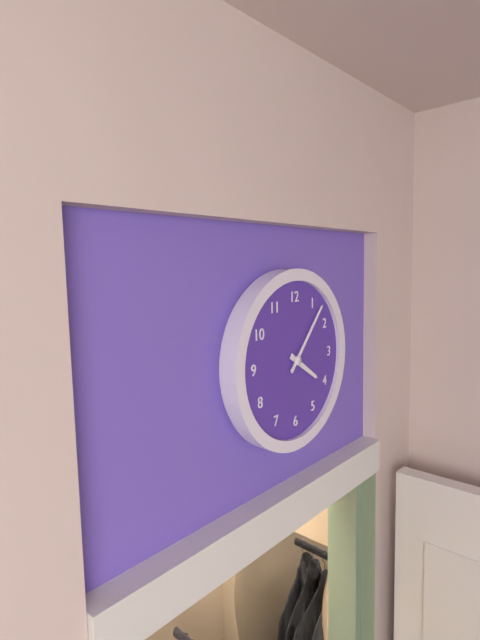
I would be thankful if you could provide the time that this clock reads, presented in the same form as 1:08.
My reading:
4:07
